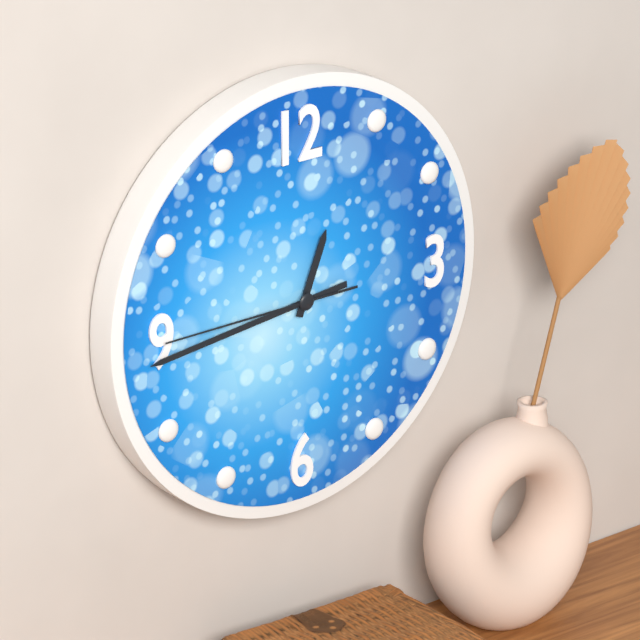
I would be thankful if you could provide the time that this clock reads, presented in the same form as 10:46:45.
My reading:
12:44:45
